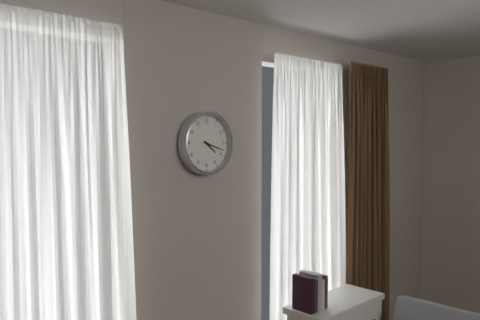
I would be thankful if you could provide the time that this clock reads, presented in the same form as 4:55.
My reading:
4:18
